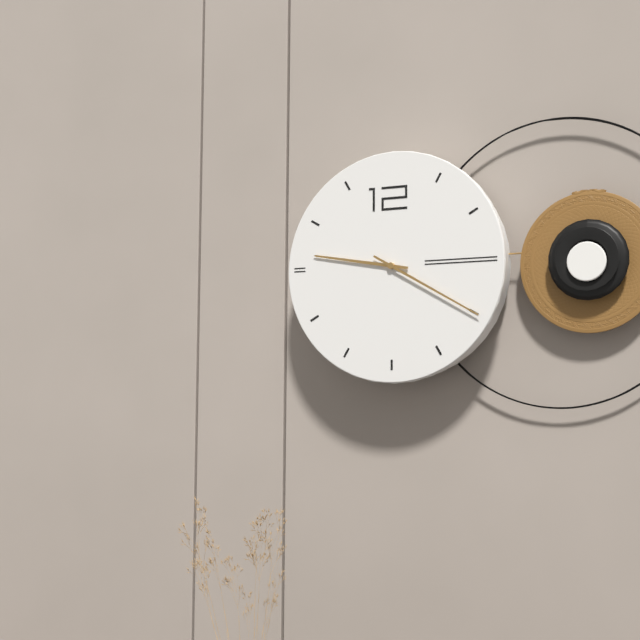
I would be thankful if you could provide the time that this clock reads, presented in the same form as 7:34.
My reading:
9:20
